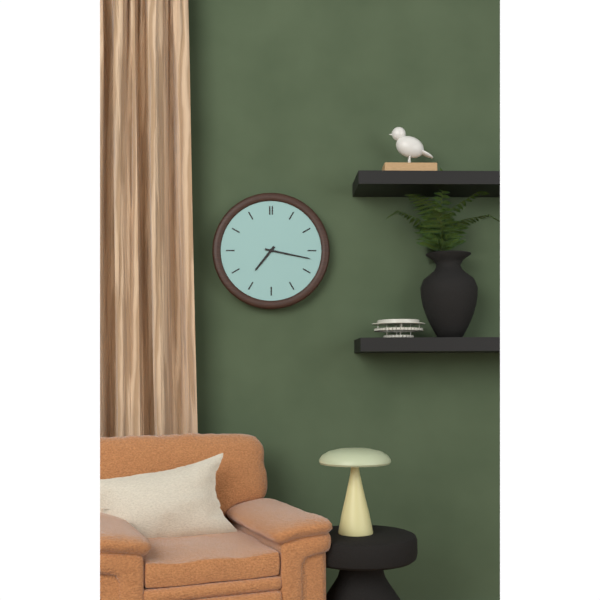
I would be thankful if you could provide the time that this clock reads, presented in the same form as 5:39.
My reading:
7:17
